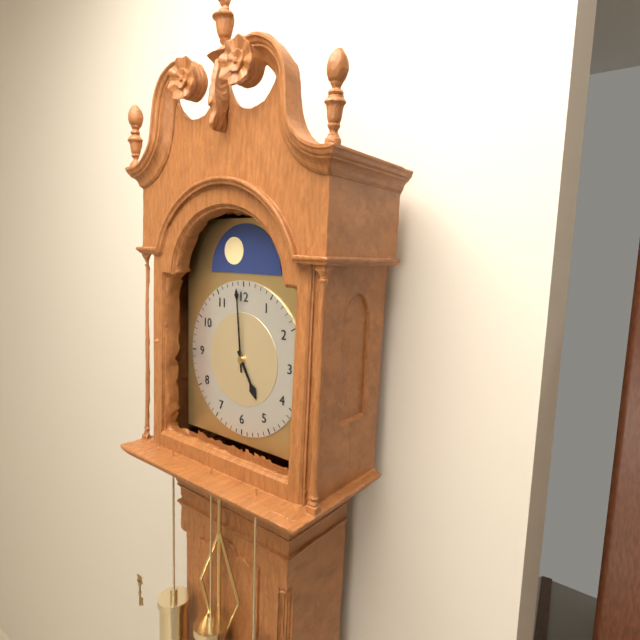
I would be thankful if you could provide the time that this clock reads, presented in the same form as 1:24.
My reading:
4:59
